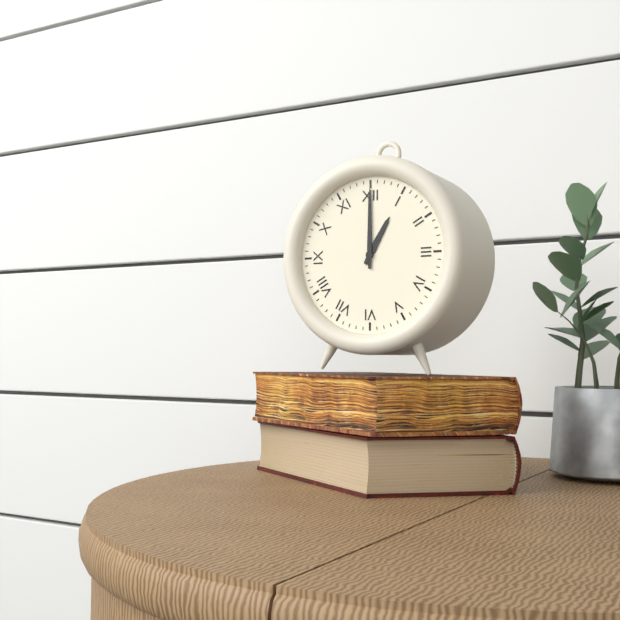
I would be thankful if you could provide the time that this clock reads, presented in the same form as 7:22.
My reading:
1:00
